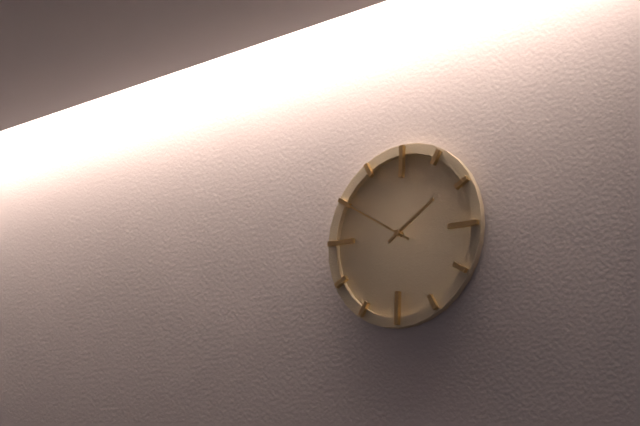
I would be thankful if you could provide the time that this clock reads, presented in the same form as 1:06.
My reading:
1:50
